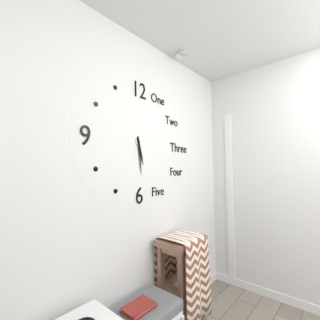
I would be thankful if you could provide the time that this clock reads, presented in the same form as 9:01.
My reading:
5:29
